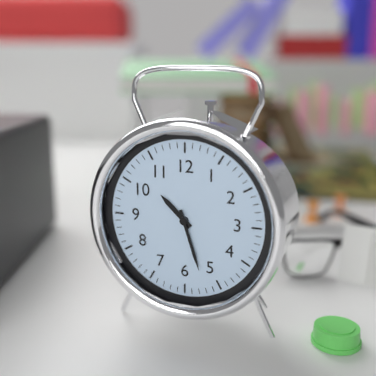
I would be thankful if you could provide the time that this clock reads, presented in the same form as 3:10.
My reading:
10:27
